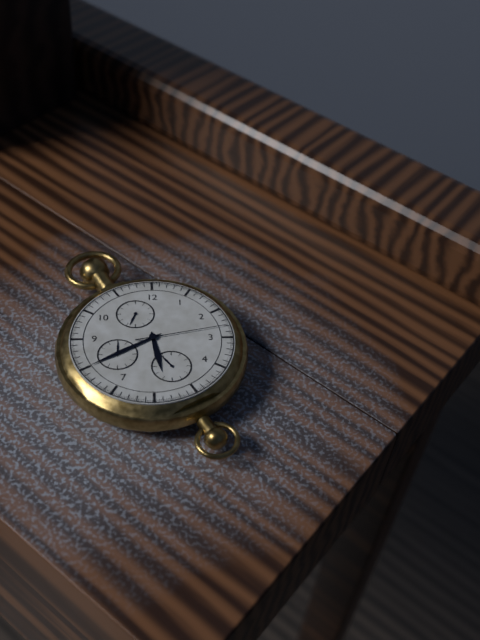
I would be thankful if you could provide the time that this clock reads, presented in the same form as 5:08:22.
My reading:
5:40:13
